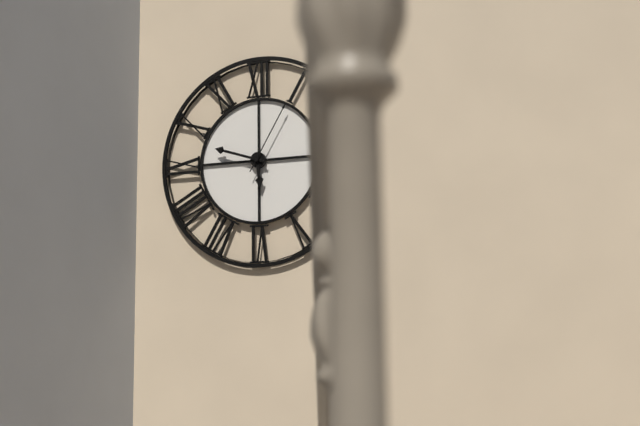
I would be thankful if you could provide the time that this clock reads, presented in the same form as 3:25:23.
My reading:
5:48:05
